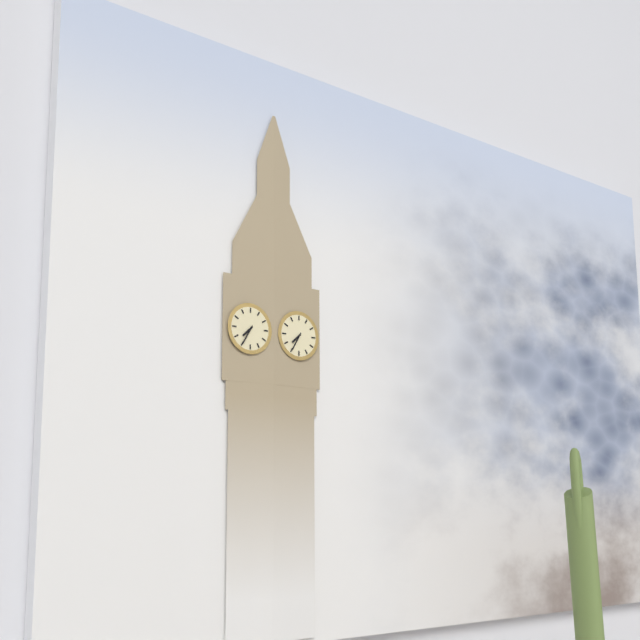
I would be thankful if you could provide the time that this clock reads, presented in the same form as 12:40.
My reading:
7:35
